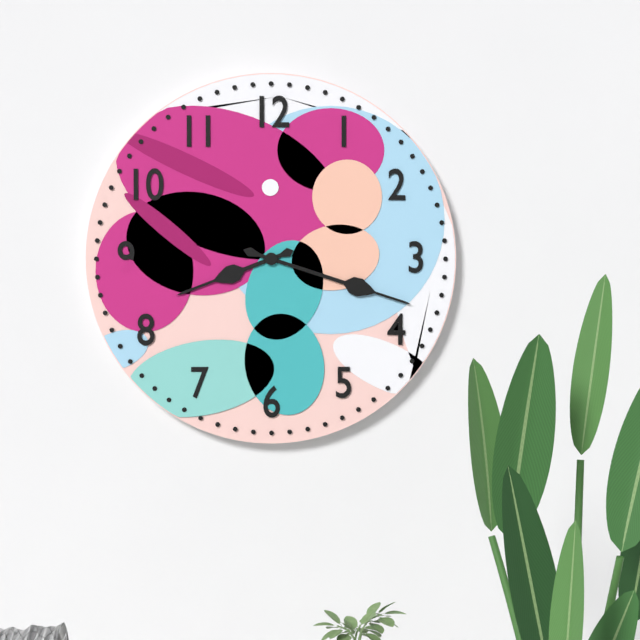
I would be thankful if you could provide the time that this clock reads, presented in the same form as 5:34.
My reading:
8:18
